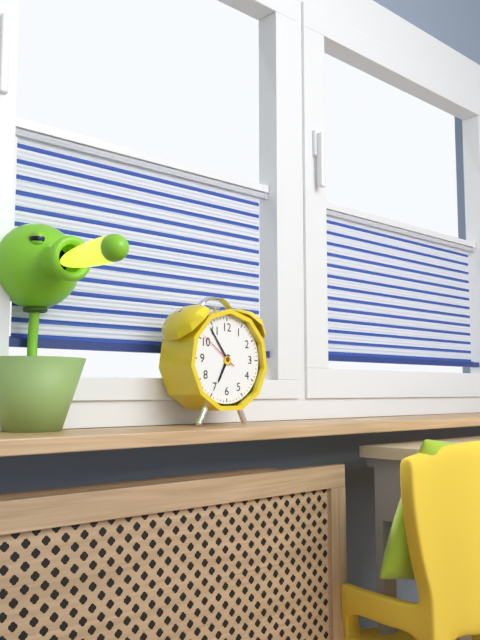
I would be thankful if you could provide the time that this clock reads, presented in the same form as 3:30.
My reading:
6:54
